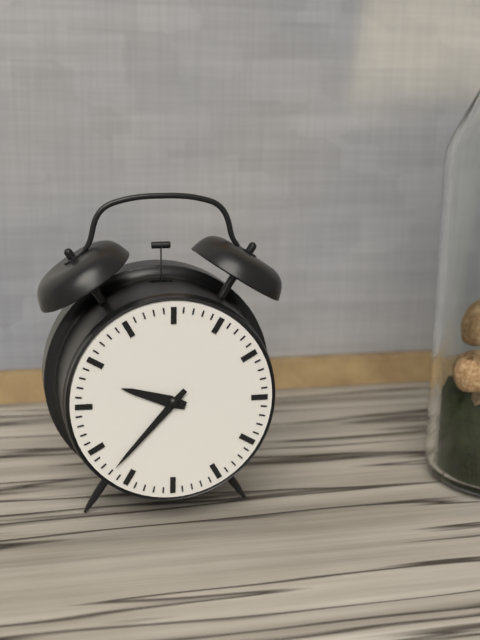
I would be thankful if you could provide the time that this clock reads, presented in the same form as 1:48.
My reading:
9:37
